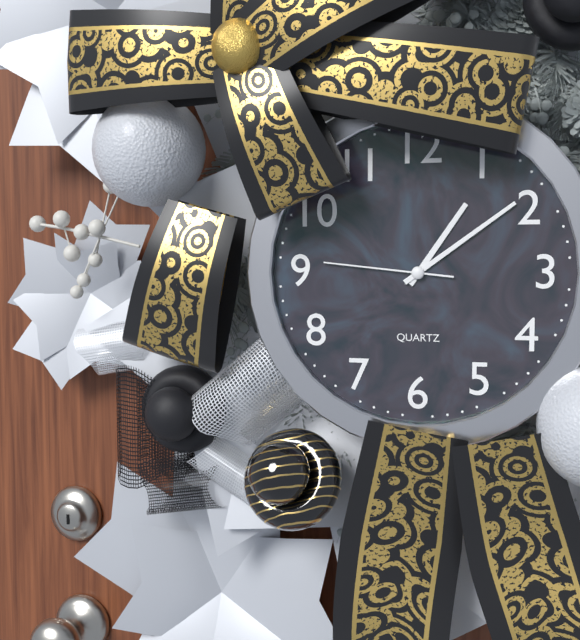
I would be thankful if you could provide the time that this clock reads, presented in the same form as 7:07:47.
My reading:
1:09:46
